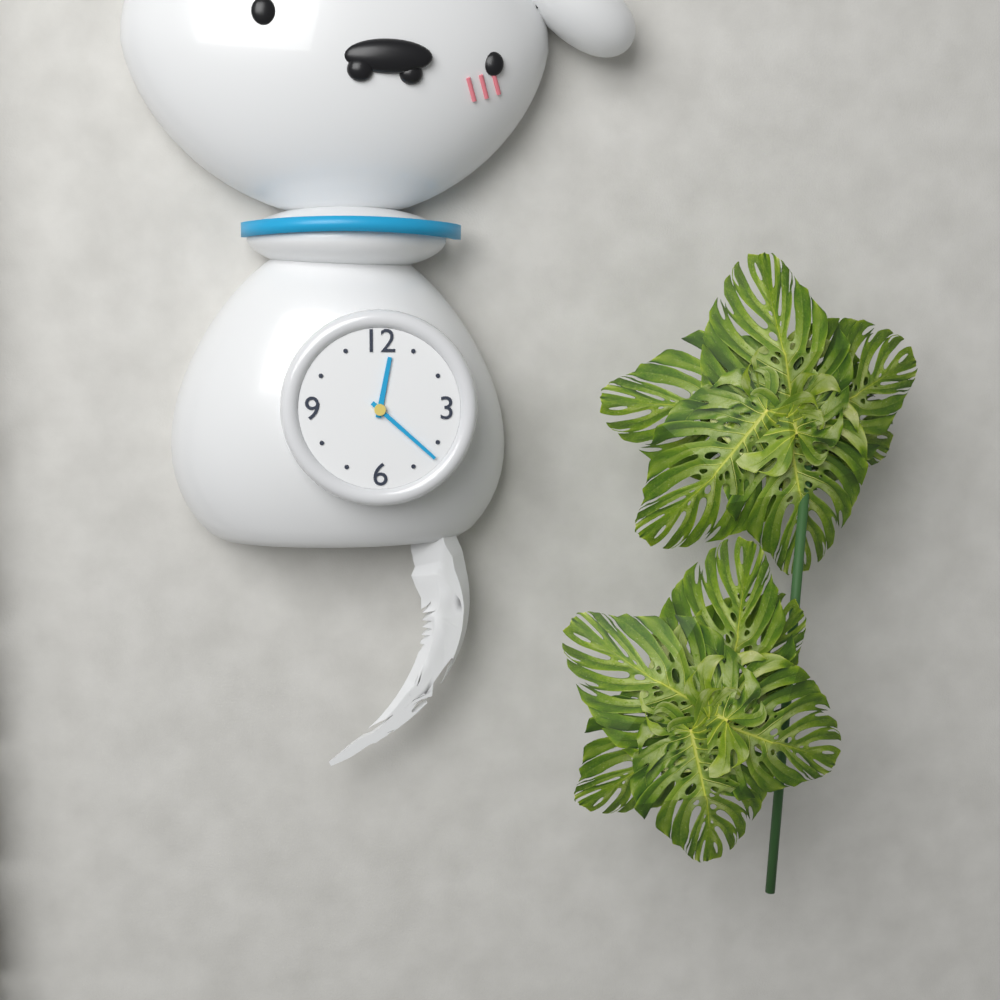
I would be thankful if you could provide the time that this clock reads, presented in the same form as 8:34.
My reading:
12:22
